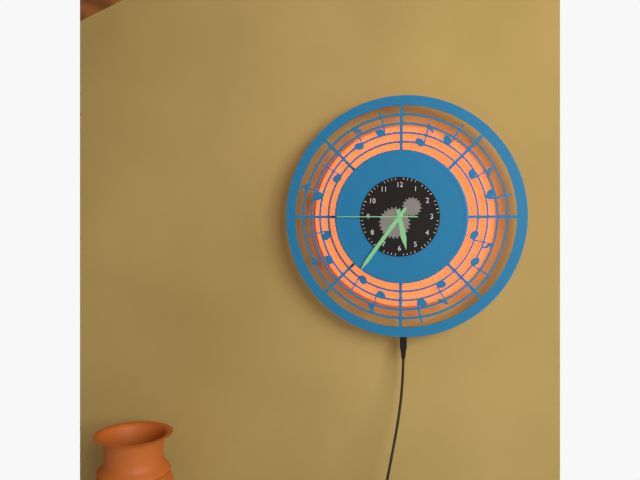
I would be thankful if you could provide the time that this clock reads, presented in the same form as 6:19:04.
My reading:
5:36:45
